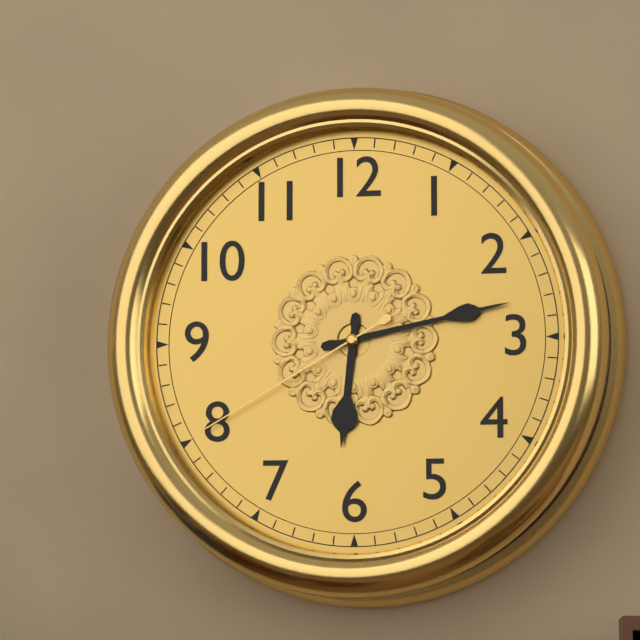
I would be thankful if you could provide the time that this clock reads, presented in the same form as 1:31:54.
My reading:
6:13:40
